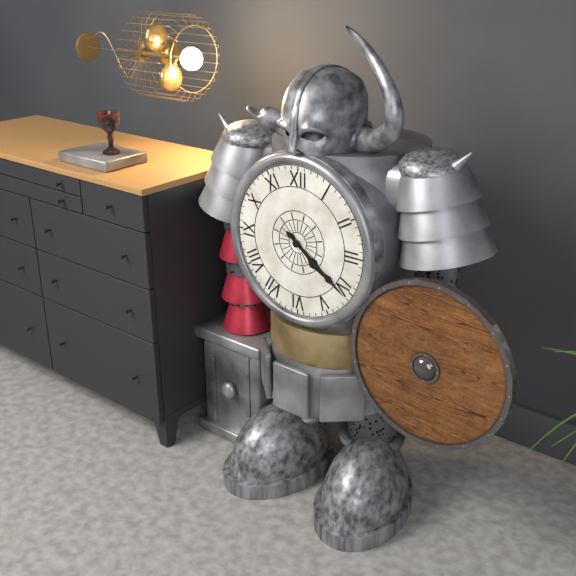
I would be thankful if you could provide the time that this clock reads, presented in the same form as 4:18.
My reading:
4:21
